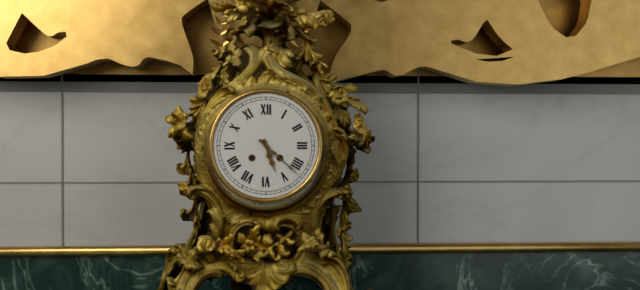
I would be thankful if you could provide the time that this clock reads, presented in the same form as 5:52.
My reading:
5:22
